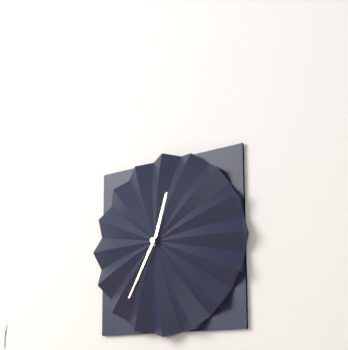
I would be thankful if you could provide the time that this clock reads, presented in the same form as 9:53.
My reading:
12:35
